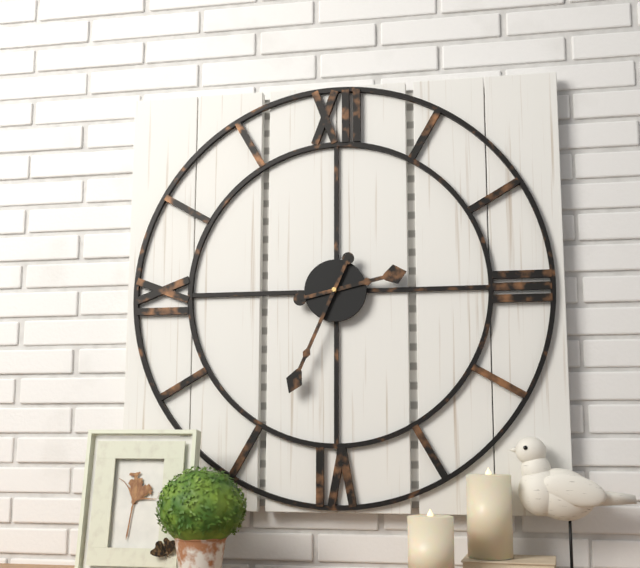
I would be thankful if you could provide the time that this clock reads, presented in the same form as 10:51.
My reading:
2:34
